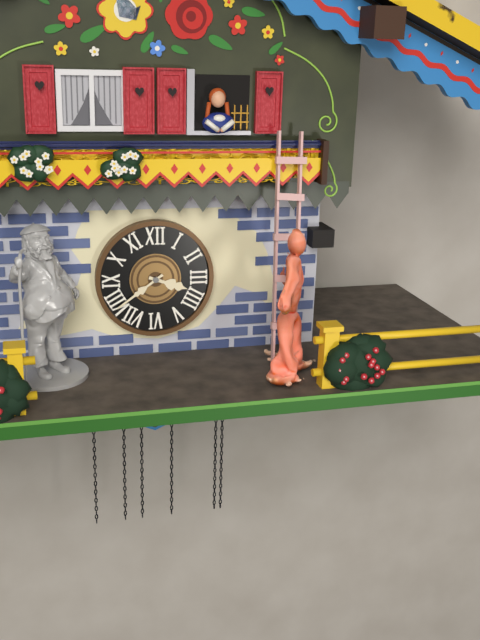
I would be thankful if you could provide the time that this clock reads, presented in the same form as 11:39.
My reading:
3:39
